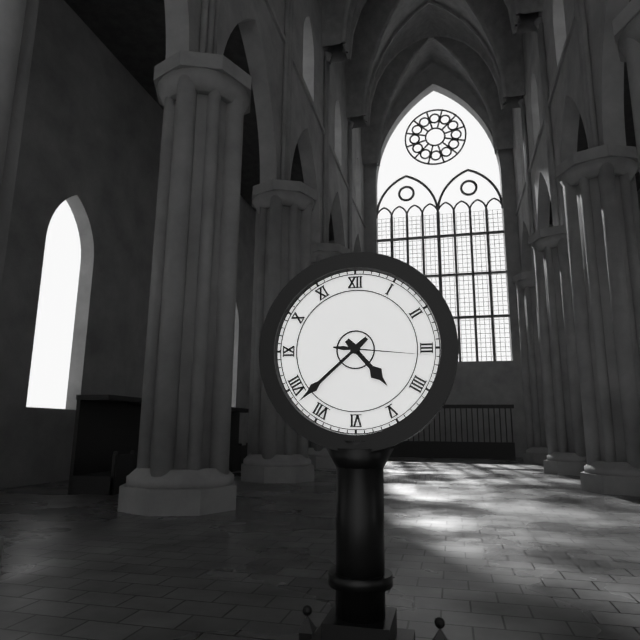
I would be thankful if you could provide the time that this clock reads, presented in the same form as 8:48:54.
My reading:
4:38:16
